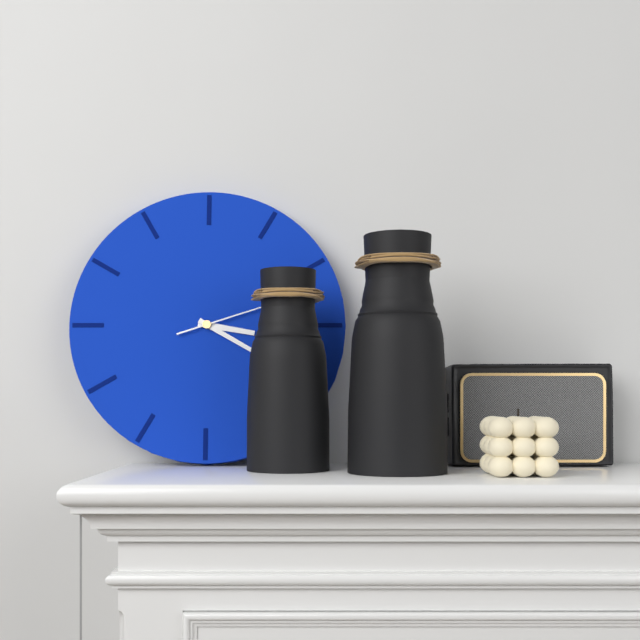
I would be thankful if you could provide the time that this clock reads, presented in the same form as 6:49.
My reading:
3:20
